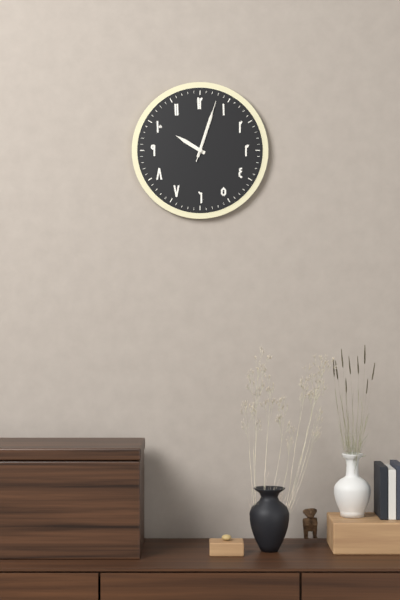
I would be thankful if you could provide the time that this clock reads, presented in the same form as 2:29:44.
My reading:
10:03:03
